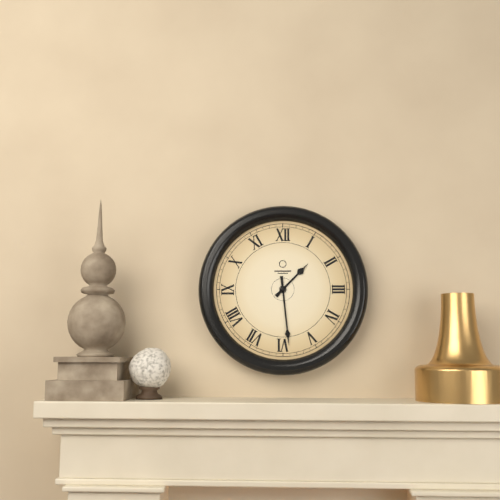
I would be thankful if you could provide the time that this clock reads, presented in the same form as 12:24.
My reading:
1:29
